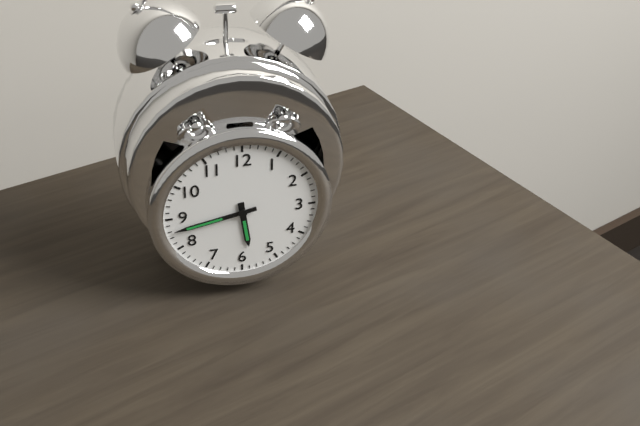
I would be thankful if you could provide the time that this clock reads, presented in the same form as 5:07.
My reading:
5:43
